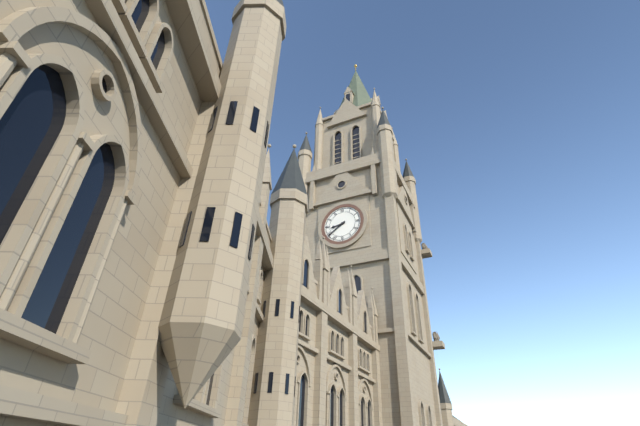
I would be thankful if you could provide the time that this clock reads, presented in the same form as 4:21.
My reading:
8:39
